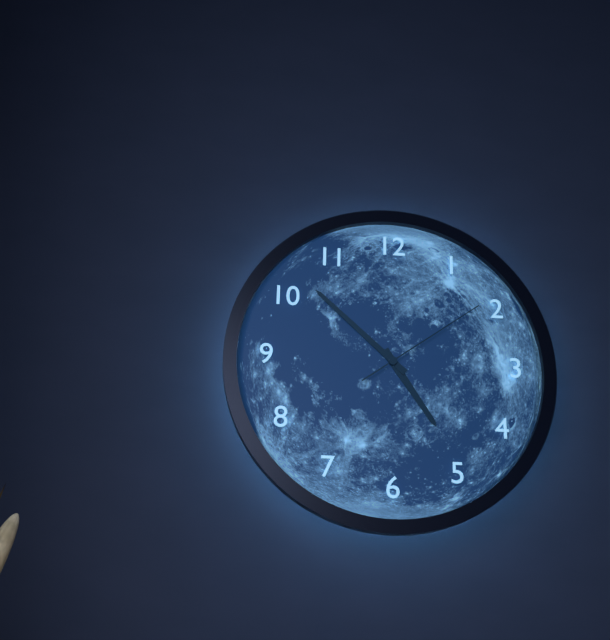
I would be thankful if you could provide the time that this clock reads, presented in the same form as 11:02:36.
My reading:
4:52:09
